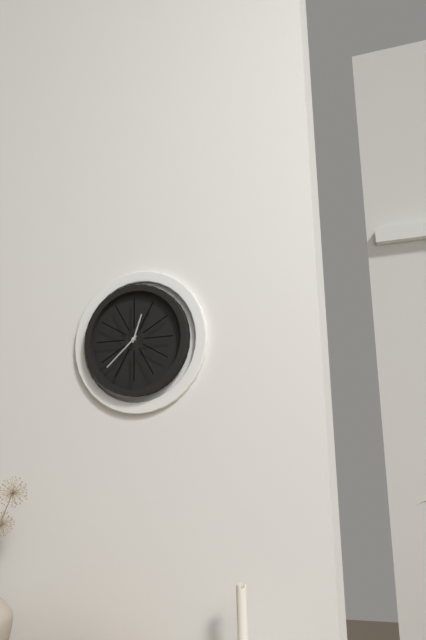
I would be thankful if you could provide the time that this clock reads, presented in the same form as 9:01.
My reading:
12:38
